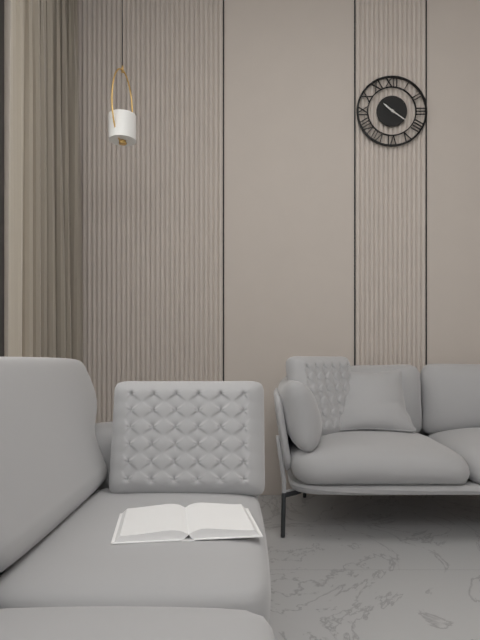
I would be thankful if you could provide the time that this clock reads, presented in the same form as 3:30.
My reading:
10:21
